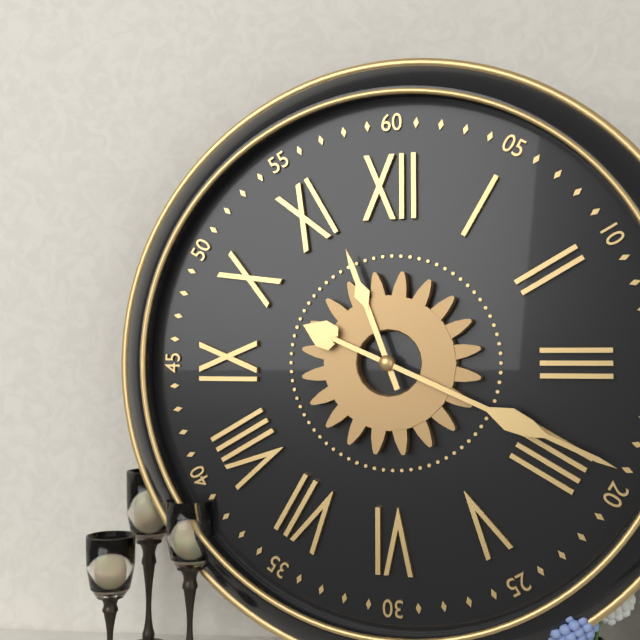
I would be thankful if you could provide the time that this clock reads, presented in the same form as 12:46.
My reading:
11:19
